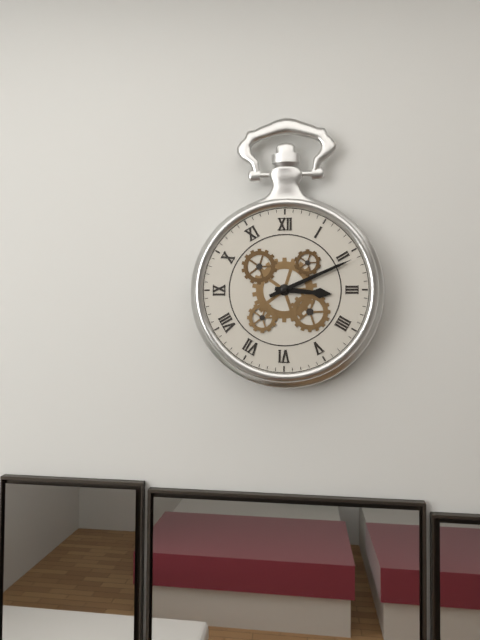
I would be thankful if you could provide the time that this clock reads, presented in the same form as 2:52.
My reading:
3:11
